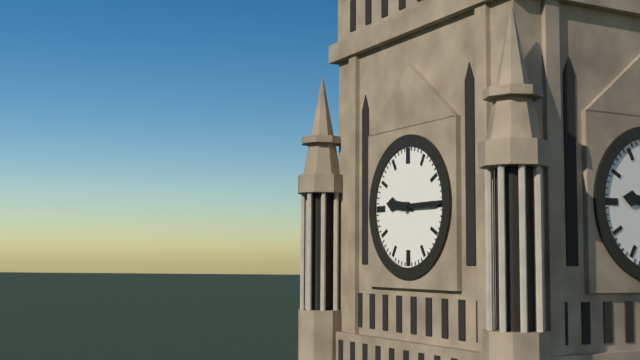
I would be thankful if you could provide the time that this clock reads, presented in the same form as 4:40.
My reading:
9:15
